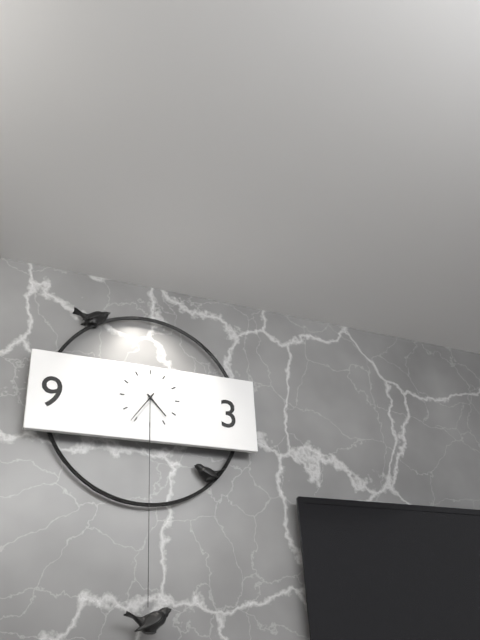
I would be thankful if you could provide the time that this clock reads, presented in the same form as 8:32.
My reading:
4:36
